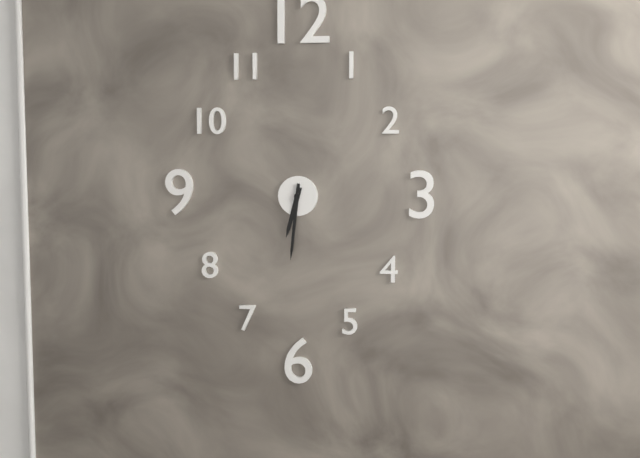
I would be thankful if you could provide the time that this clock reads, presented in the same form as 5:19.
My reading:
6:31
